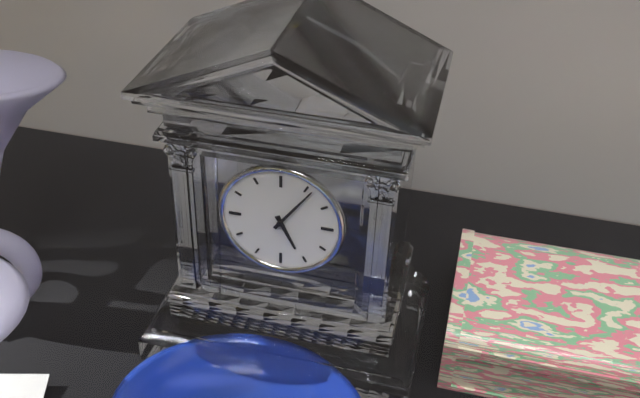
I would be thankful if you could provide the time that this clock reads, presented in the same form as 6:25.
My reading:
5:06
